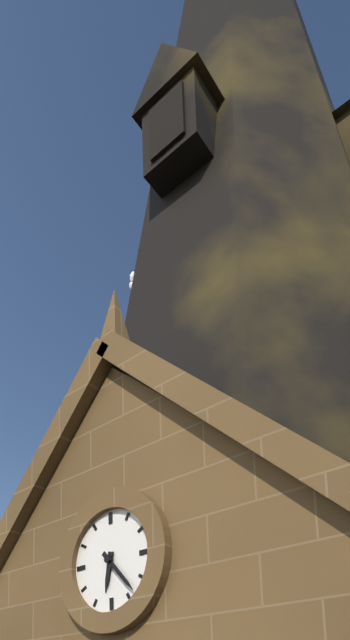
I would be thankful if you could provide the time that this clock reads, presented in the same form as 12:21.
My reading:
6:23
